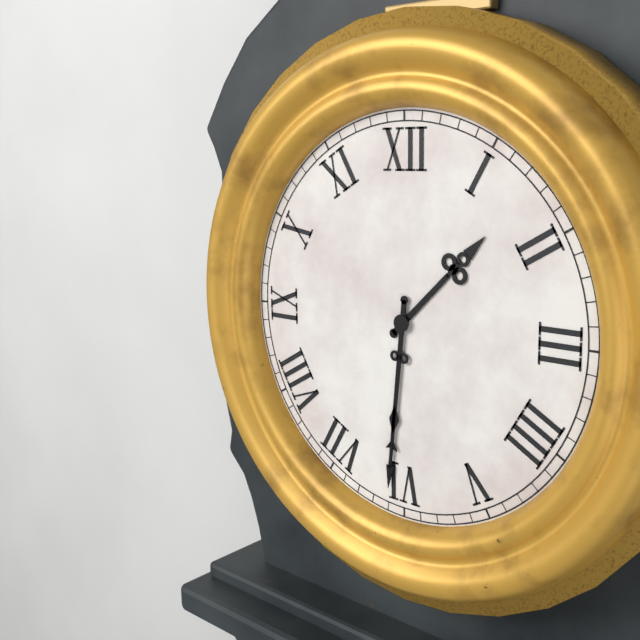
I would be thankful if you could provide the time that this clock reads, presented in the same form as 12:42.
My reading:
1:31
